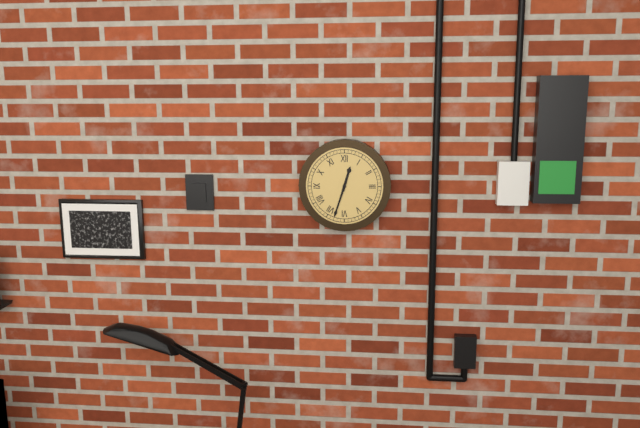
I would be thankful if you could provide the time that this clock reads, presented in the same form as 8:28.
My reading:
12:33
